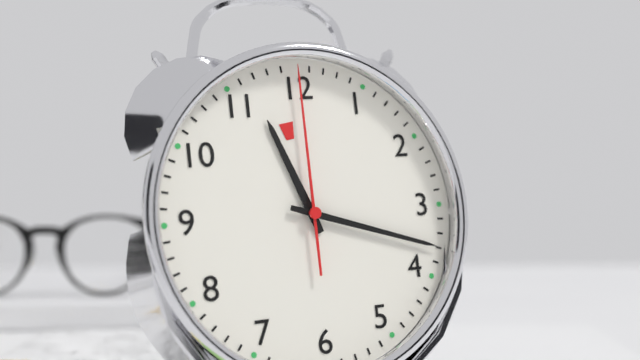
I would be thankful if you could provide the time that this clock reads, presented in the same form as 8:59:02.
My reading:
11:18:00
